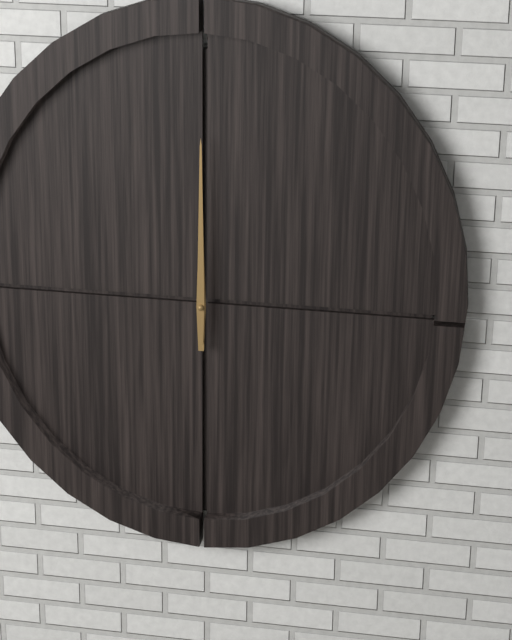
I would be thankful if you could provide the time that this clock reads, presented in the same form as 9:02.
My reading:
12:00
